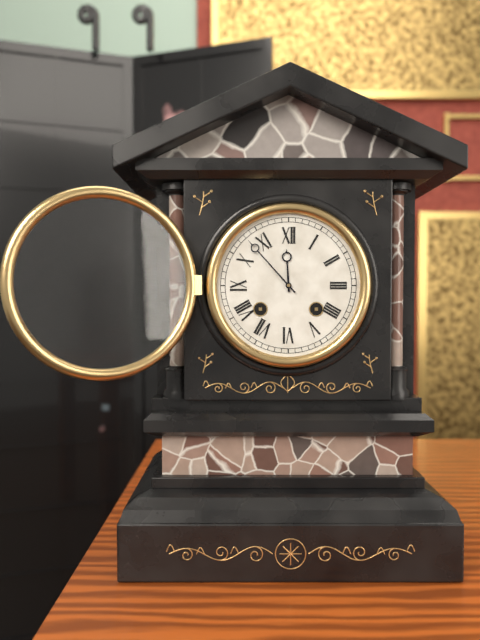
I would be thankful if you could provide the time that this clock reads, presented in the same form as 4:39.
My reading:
11:53
